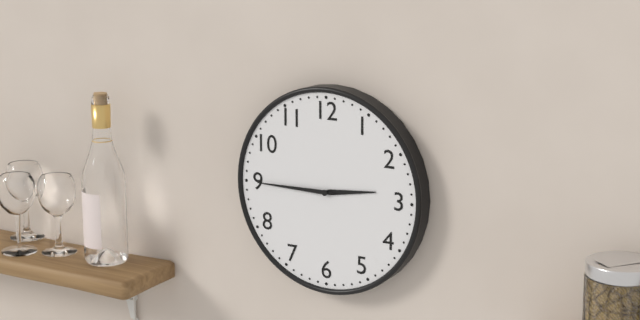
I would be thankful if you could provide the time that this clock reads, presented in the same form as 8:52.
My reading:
2:45
